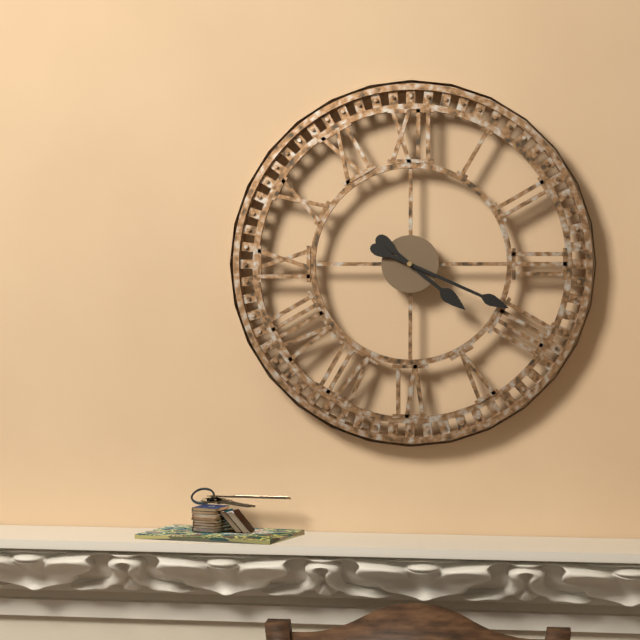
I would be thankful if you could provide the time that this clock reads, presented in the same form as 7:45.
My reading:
4:19
